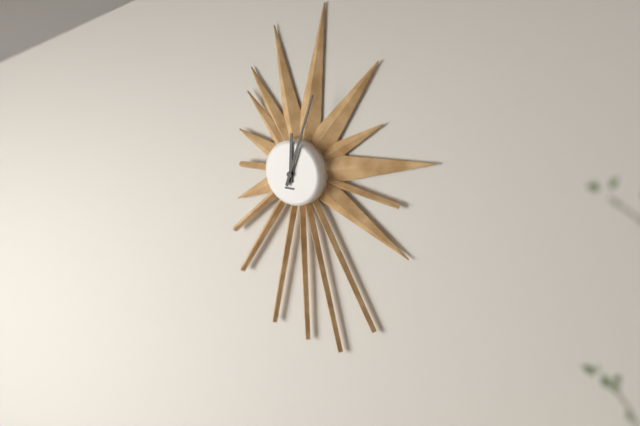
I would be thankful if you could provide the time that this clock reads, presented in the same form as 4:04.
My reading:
12:03
